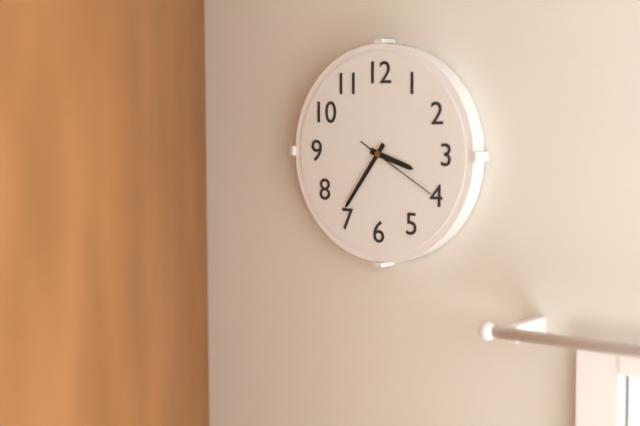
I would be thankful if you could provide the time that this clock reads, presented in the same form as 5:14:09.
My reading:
3:36:20
